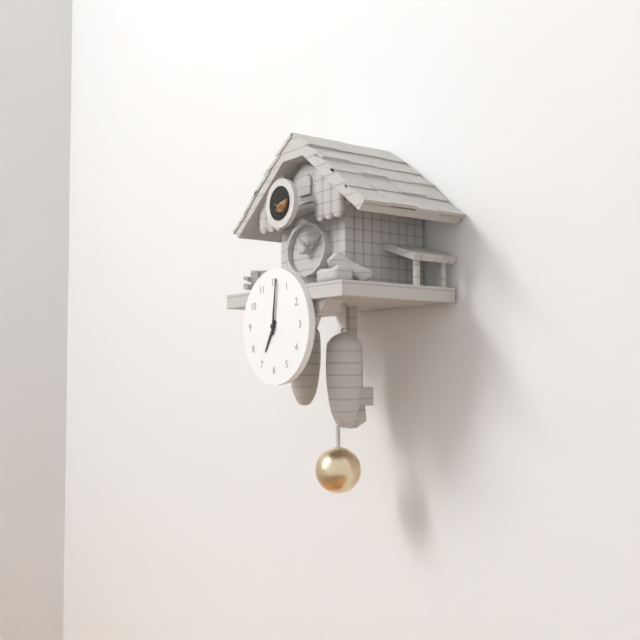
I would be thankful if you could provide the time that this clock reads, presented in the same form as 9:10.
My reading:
7:01
